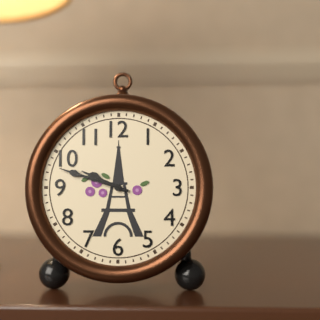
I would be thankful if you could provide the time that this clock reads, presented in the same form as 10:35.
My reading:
9:48
